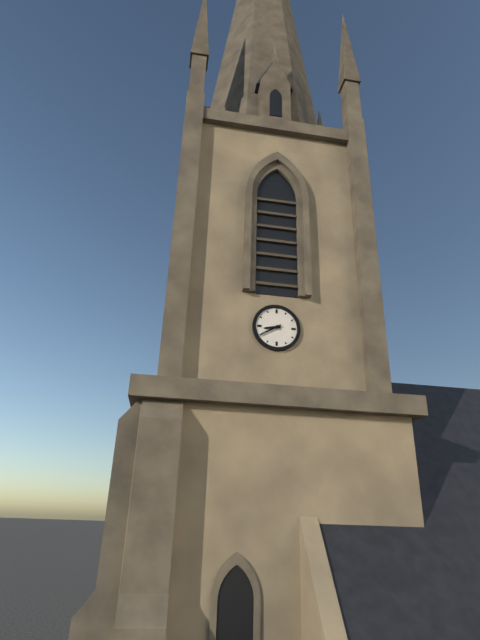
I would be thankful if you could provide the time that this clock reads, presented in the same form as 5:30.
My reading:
8:40
